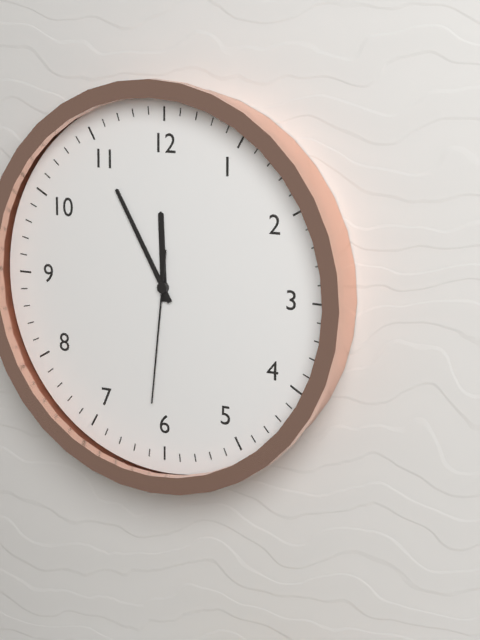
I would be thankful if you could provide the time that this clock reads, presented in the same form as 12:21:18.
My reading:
11:55:31
